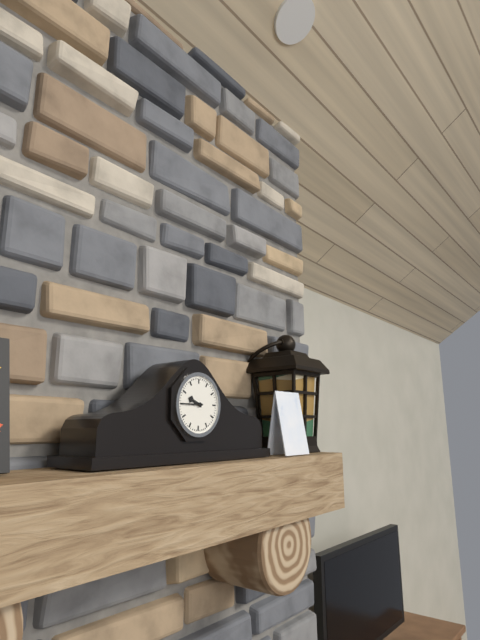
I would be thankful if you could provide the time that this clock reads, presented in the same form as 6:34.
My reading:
9:45
